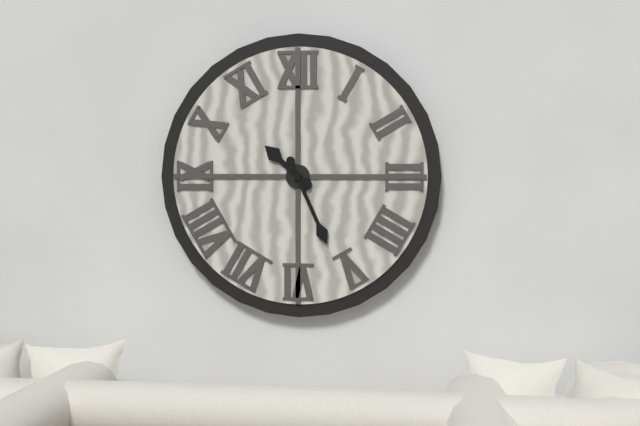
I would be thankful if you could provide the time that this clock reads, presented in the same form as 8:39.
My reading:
10:26
